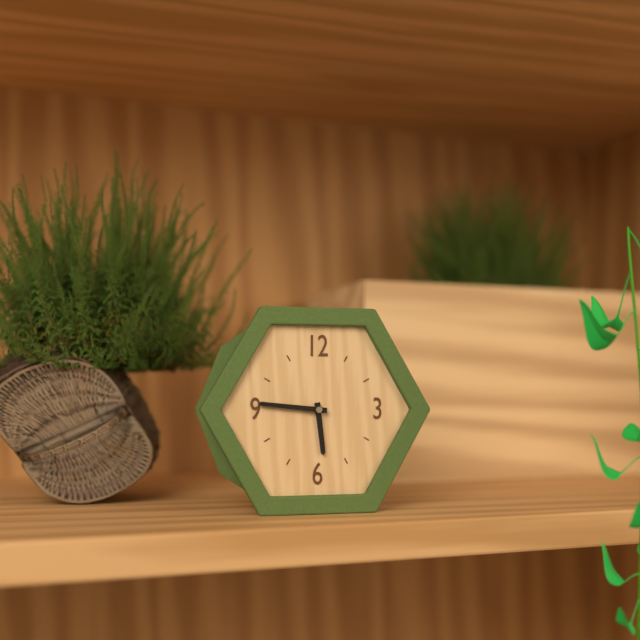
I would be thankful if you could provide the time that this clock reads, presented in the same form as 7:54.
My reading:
5:46
